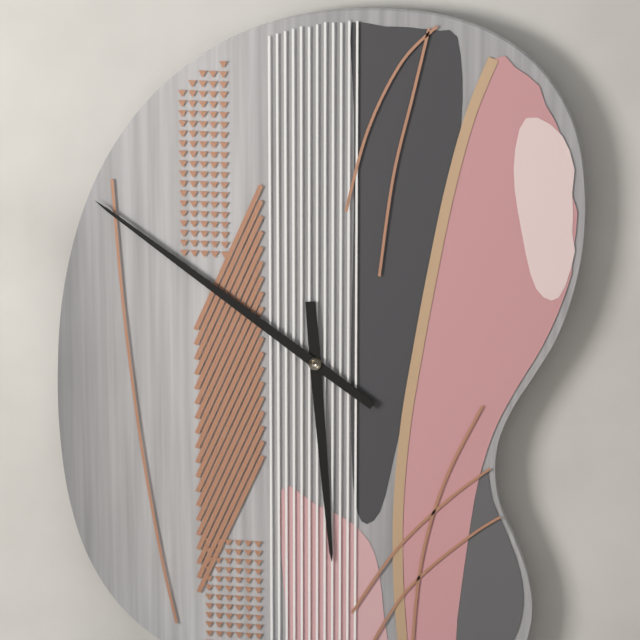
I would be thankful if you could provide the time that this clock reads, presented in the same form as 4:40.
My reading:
5:51
